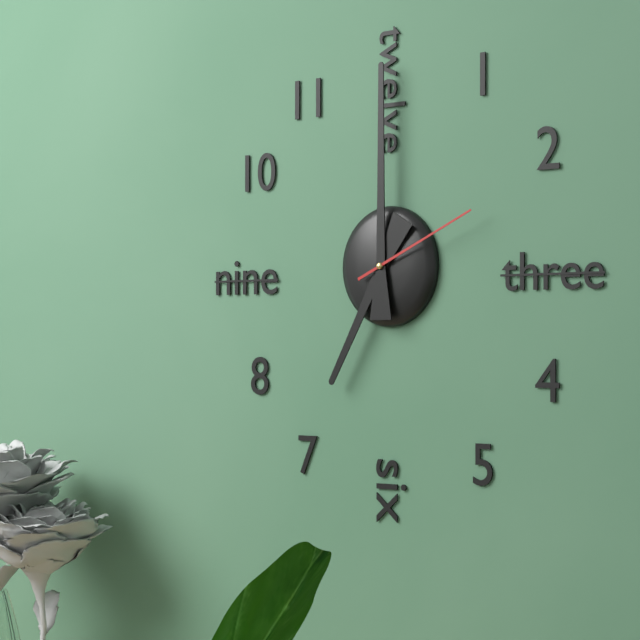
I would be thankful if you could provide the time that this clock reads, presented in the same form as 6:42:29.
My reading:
7:00:11
